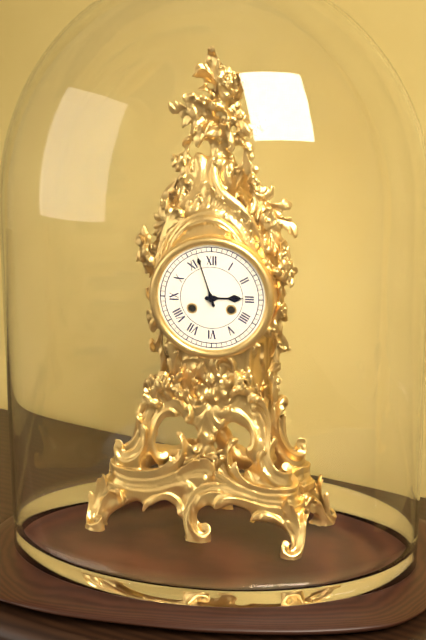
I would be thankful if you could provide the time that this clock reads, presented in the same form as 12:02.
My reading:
2:57
